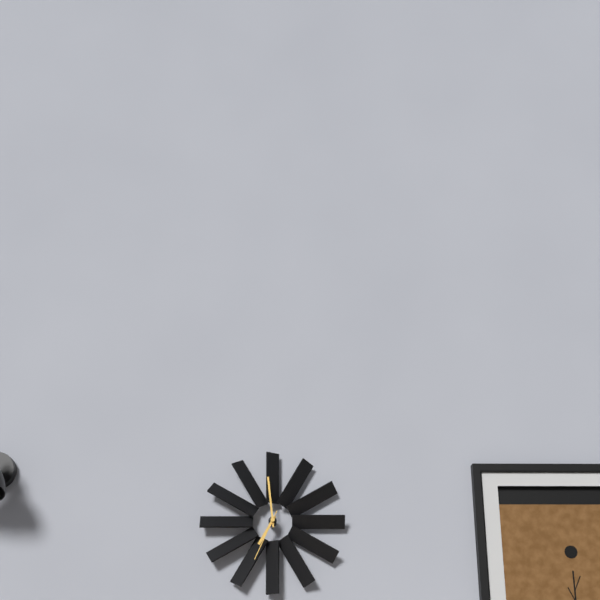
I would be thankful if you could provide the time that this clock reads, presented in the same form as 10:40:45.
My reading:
6:59:34
